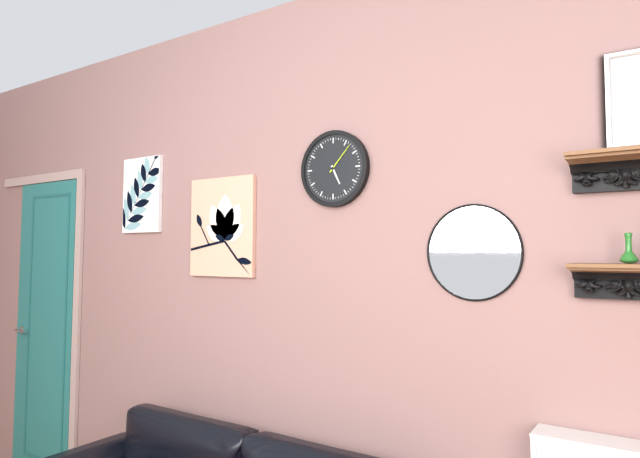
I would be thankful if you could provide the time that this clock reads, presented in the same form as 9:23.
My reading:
5:07
